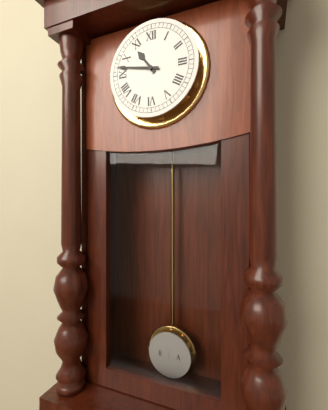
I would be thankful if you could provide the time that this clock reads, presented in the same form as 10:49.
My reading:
10:47
